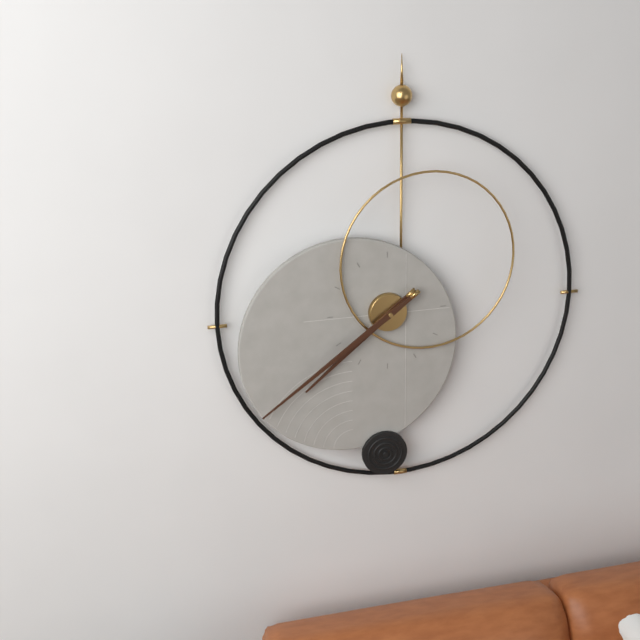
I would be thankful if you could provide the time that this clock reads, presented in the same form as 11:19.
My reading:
7:39
